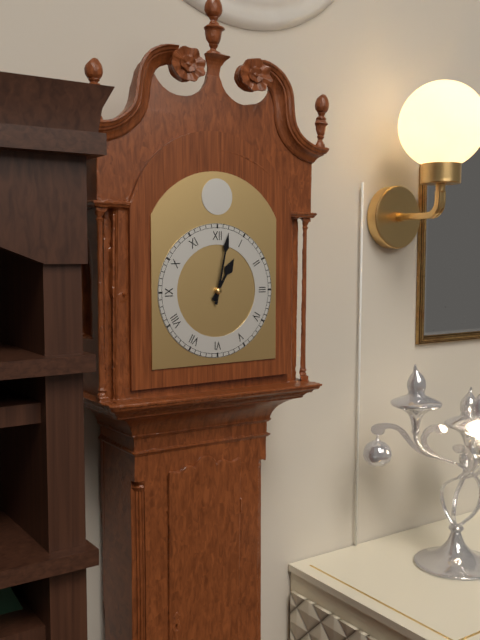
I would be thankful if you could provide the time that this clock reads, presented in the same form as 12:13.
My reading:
1:02
